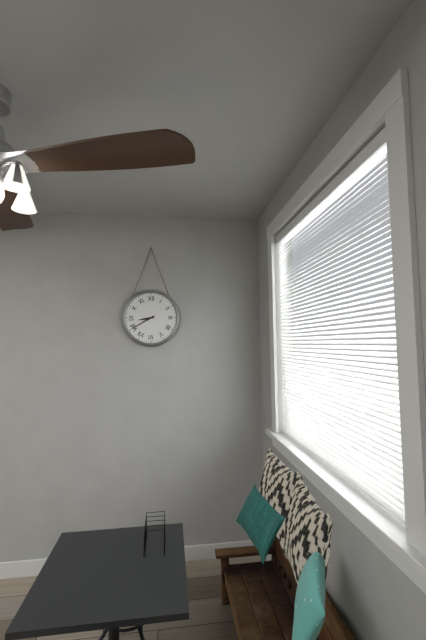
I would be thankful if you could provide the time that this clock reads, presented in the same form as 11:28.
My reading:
8:40
